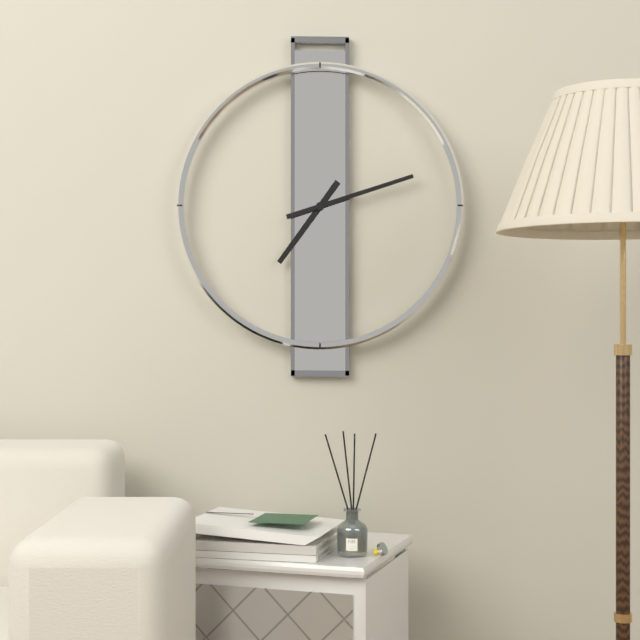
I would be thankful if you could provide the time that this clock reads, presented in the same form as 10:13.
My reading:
7:12
